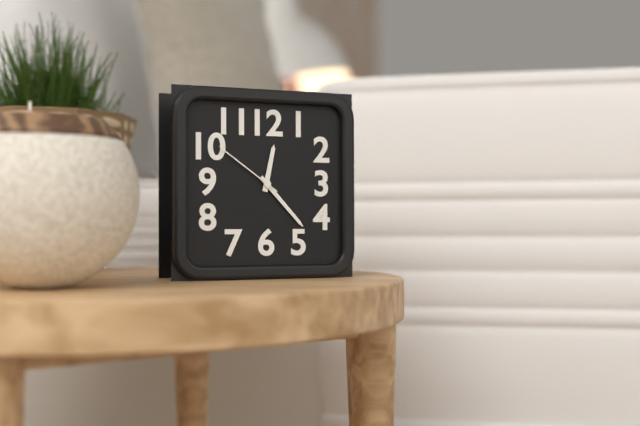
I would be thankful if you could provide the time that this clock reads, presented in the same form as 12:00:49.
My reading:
12:23:51
